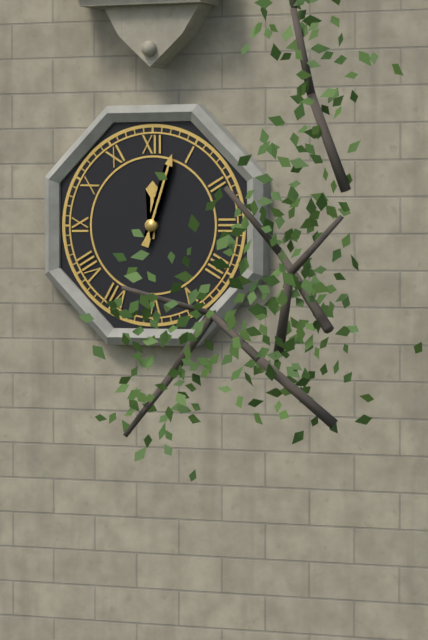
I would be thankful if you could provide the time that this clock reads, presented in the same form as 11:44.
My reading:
12:03
